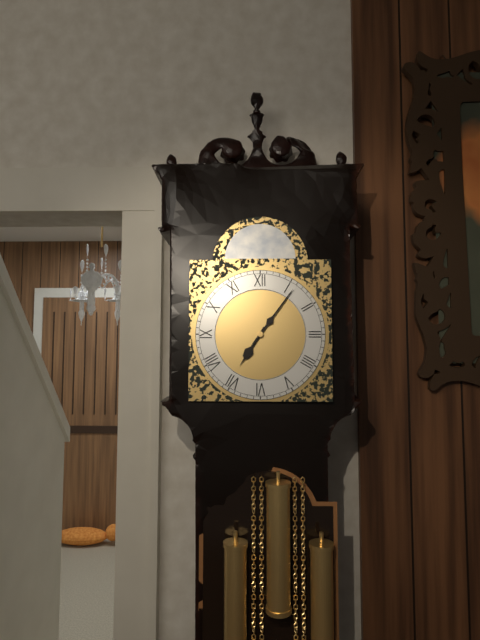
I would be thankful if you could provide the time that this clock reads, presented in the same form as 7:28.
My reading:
7:06
